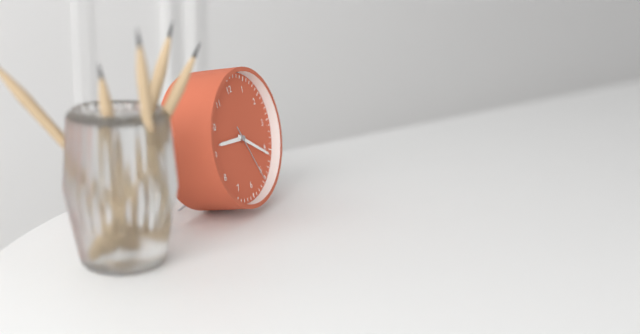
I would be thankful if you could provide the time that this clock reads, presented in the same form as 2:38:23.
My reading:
9:21:26
